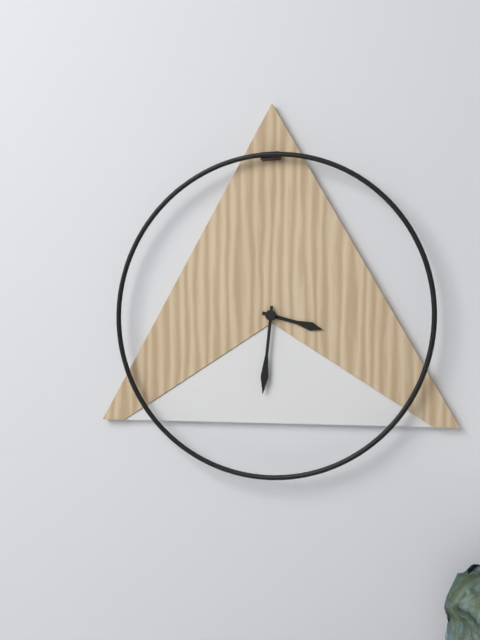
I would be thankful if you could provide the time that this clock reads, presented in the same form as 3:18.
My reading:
3:31
